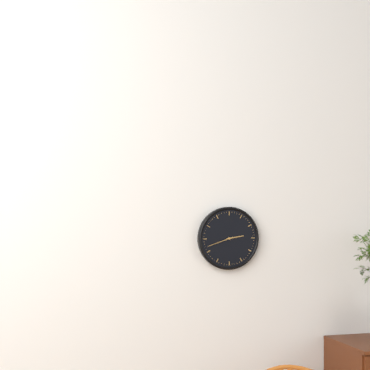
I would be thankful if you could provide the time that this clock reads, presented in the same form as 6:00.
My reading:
2:42
